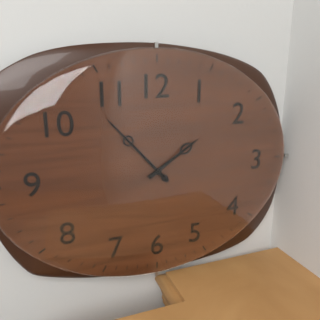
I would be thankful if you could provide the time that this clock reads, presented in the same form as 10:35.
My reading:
1:53
